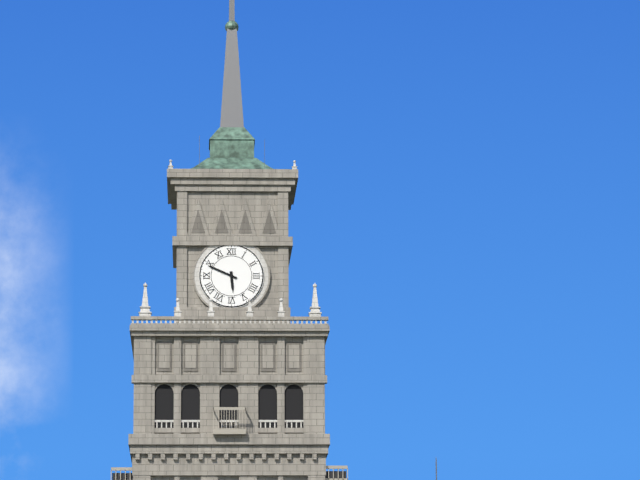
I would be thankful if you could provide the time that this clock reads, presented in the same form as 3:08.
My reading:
5:49
